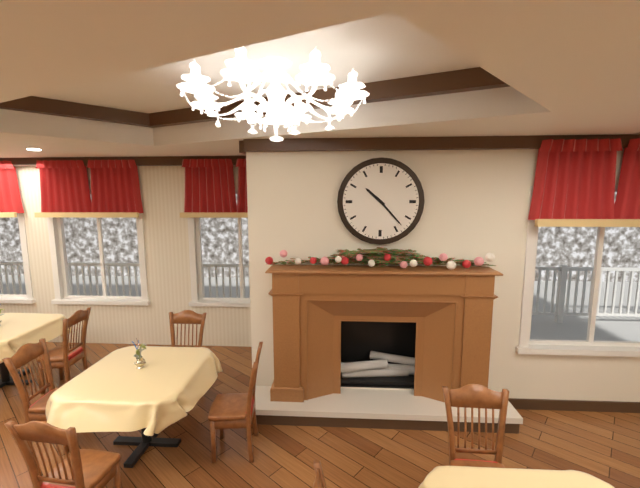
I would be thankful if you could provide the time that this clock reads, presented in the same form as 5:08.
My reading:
10:23
